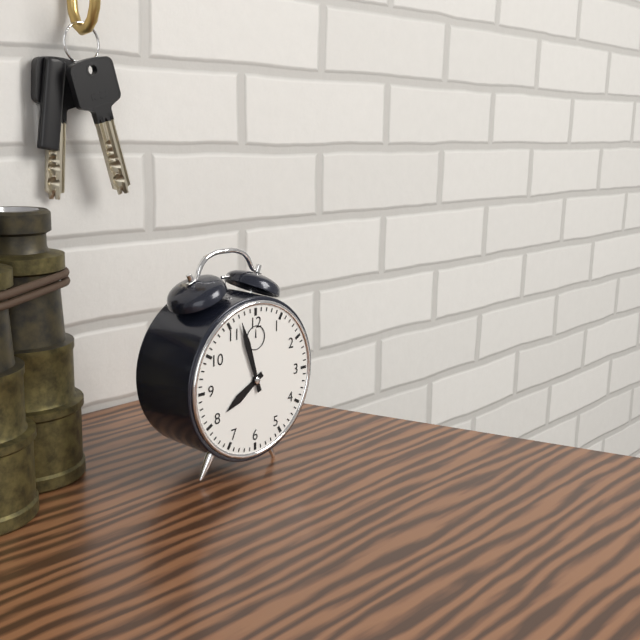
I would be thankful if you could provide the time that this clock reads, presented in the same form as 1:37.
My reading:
7:57
